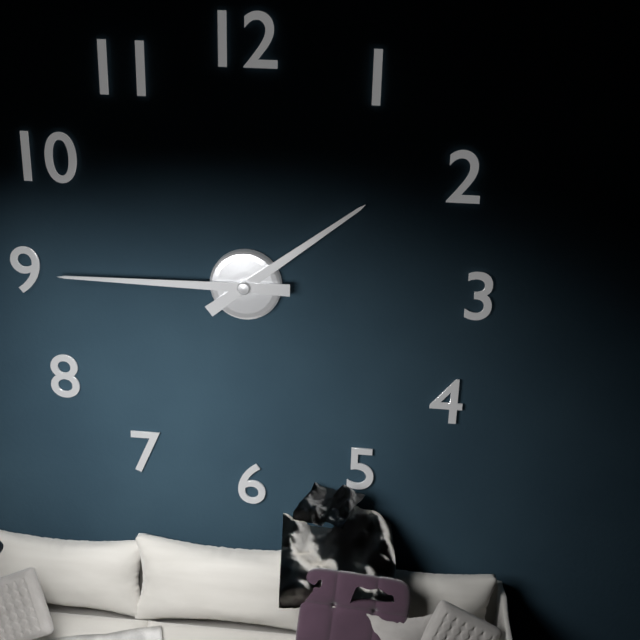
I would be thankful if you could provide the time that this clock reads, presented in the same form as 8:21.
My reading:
1:45
